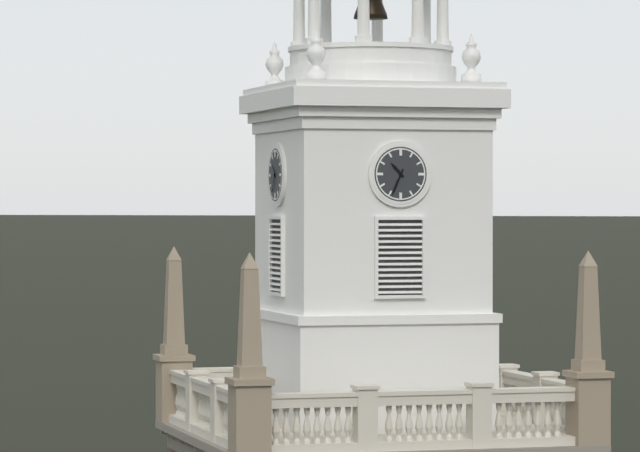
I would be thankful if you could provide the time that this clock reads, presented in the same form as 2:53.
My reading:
10:34
